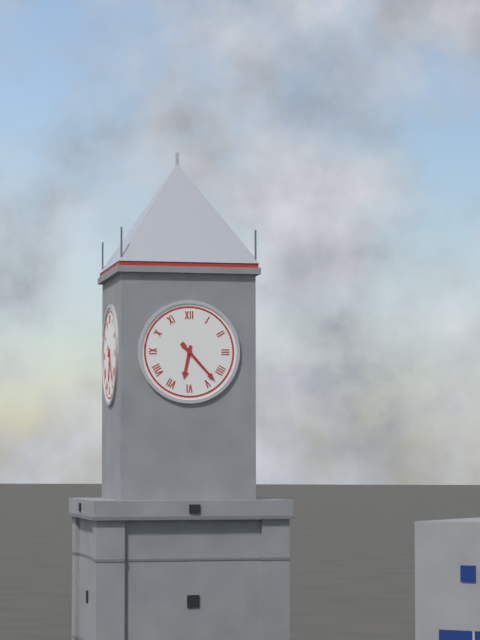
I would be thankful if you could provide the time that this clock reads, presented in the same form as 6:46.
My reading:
6:23
